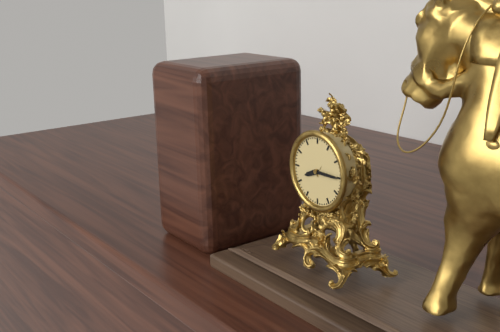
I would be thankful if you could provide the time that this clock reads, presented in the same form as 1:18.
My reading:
8:15
